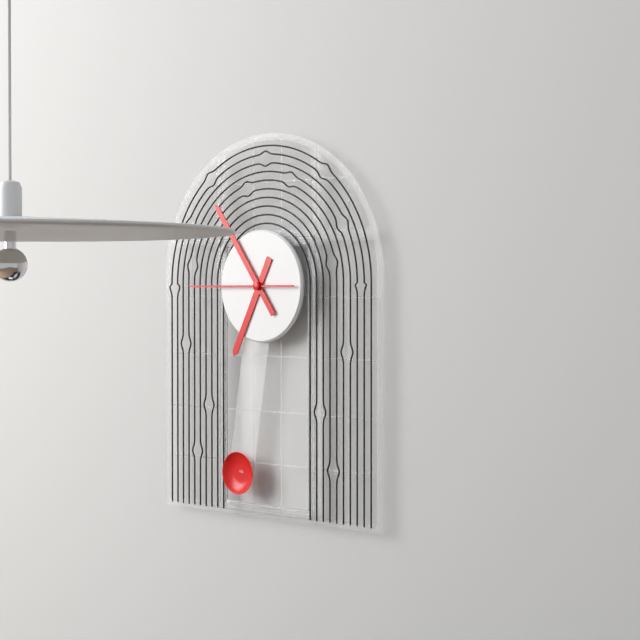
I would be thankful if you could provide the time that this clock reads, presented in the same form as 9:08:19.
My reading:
6:54:45
